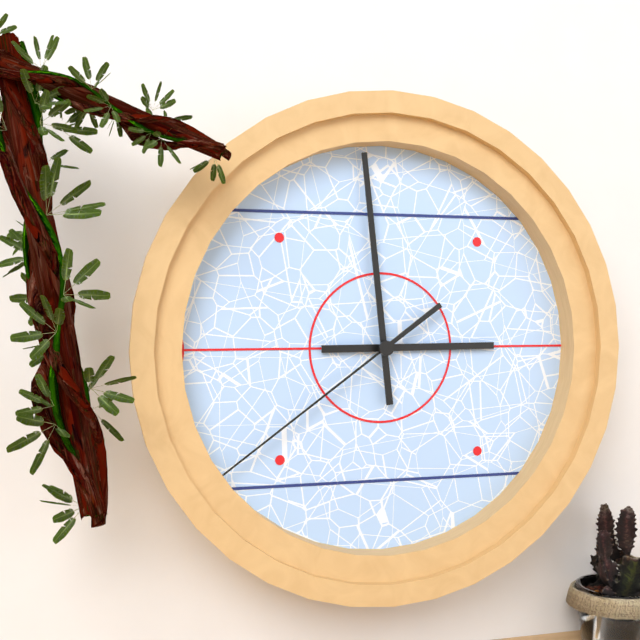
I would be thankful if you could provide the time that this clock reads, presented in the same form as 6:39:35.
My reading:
2:59:39
